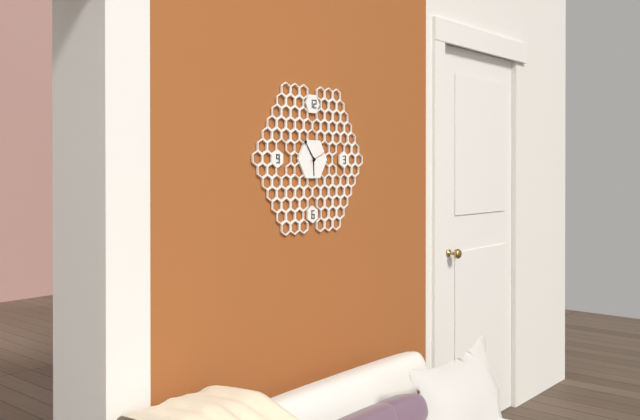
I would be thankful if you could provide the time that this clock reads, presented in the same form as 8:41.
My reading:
5:54
